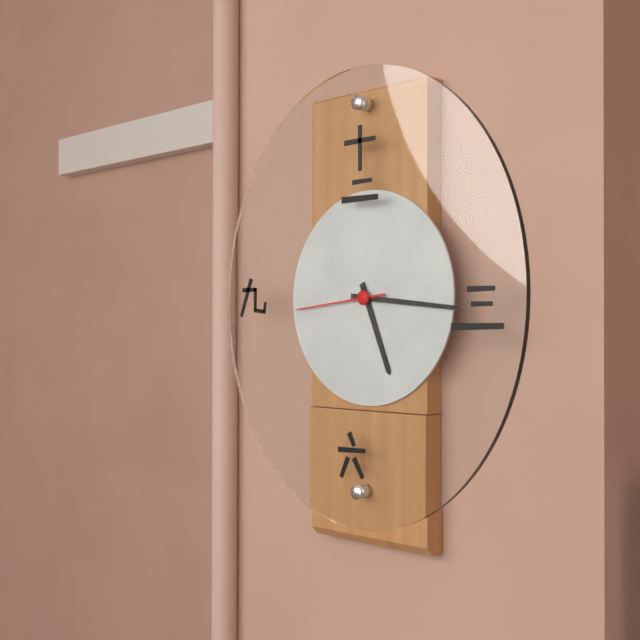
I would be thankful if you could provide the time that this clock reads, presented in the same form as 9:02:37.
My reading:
5:16:44
